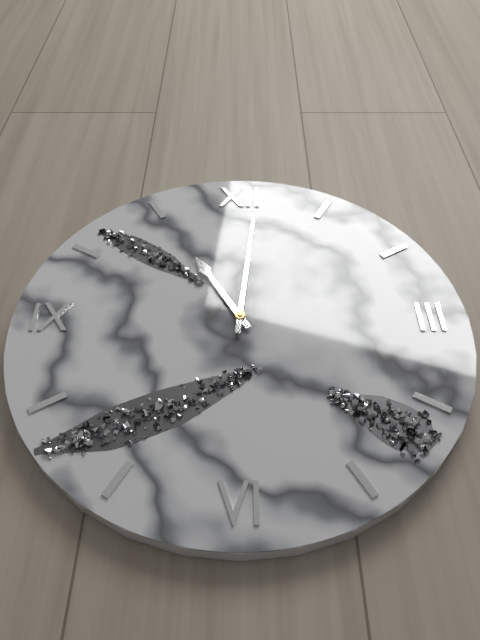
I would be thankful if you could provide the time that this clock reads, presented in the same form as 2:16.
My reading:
11:01
